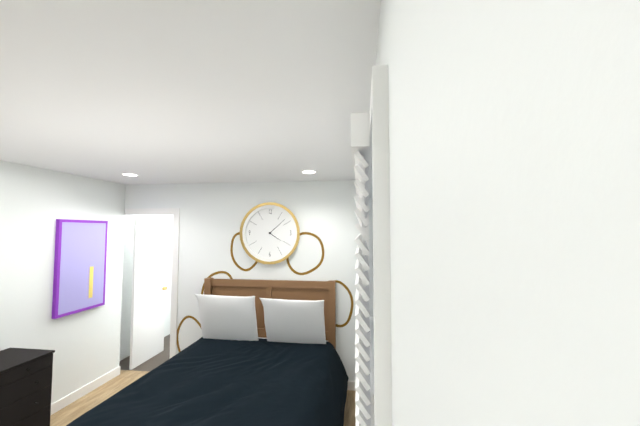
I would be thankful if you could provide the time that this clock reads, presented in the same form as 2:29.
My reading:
4:08
